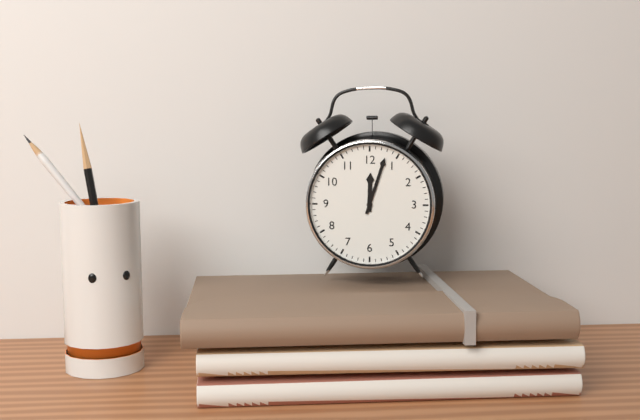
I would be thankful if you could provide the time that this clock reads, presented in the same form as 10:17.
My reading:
12:03
